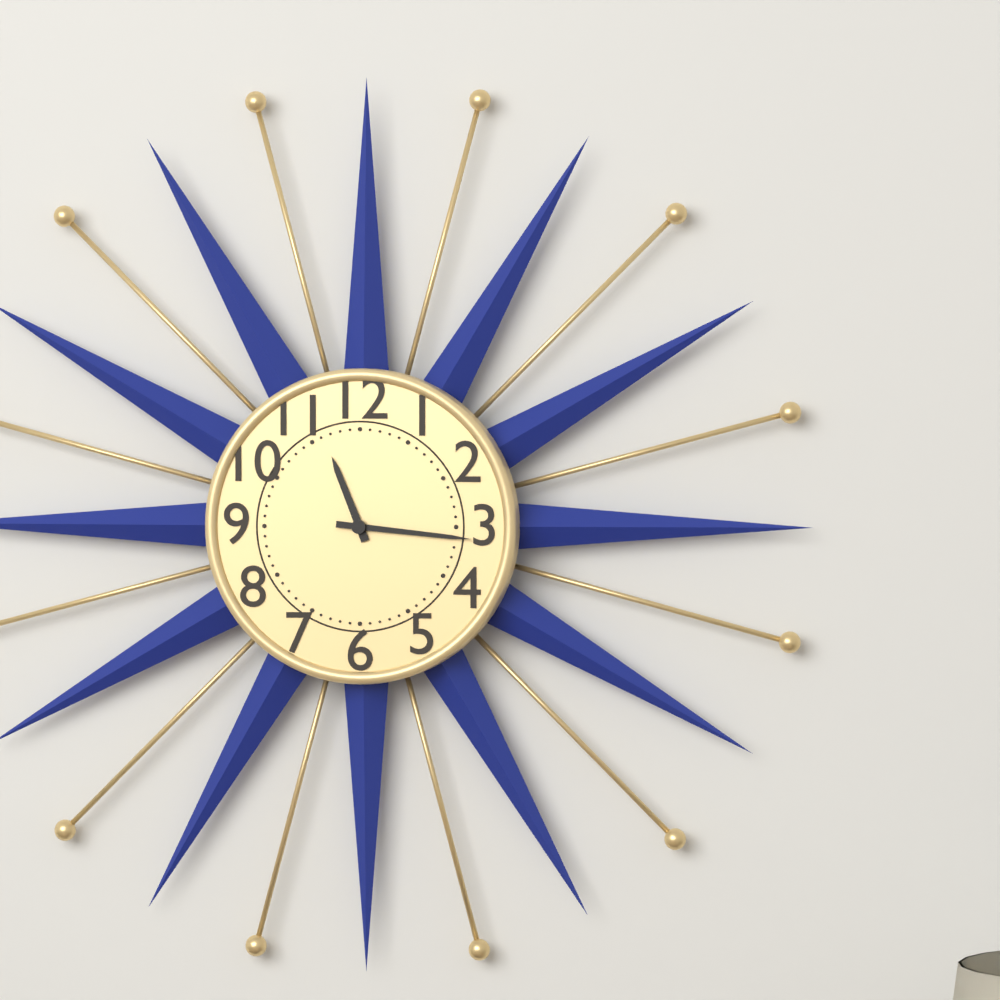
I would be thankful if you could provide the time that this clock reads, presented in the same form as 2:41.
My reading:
11:16
